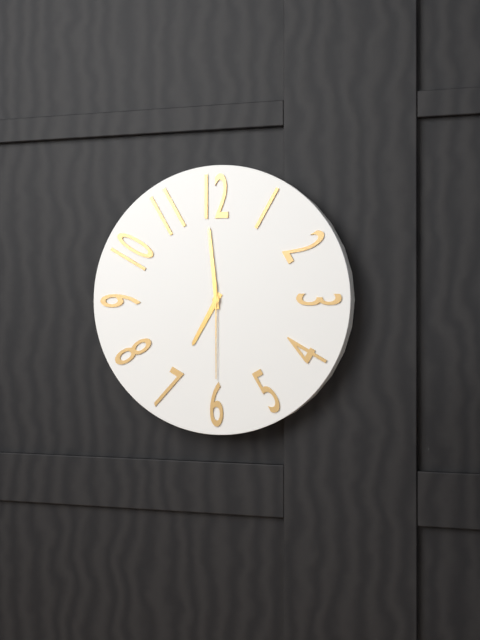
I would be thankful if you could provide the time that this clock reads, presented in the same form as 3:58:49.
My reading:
6:59:30
